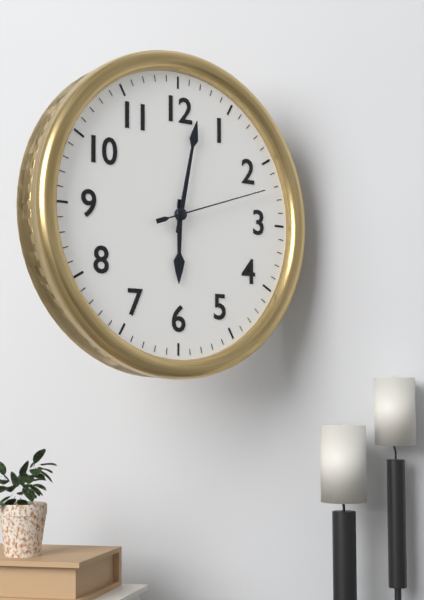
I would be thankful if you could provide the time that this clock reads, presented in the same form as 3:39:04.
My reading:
6:02:12
